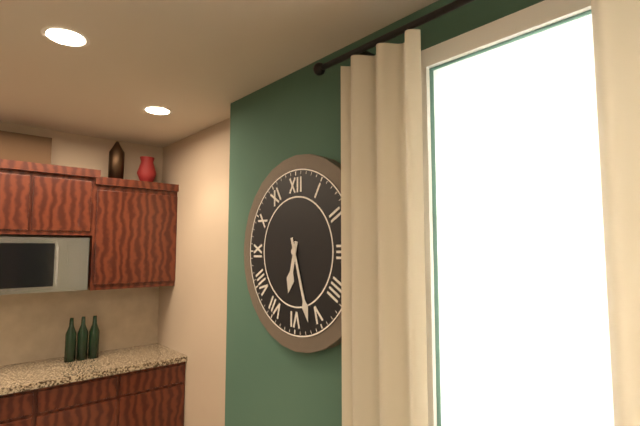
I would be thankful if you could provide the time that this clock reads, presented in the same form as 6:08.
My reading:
6:27
